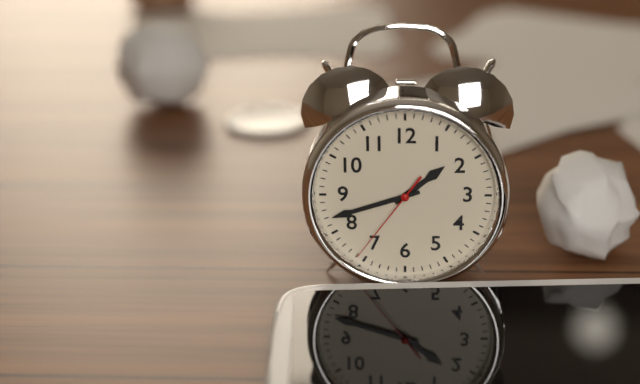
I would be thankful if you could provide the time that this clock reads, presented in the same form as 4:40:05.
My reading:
1:42:36
